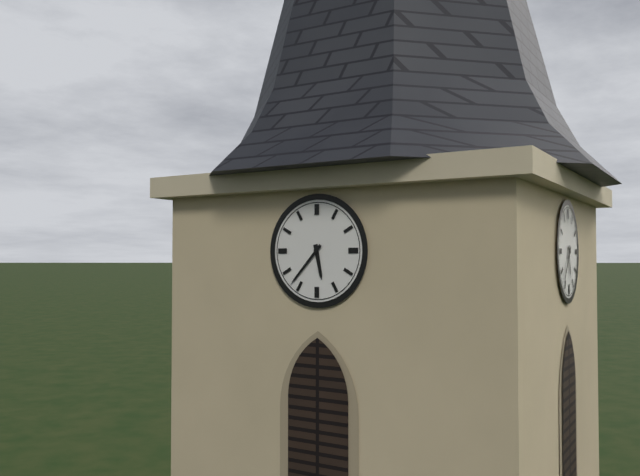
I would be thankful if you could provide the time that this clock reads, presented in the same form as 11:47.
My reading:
5:37
